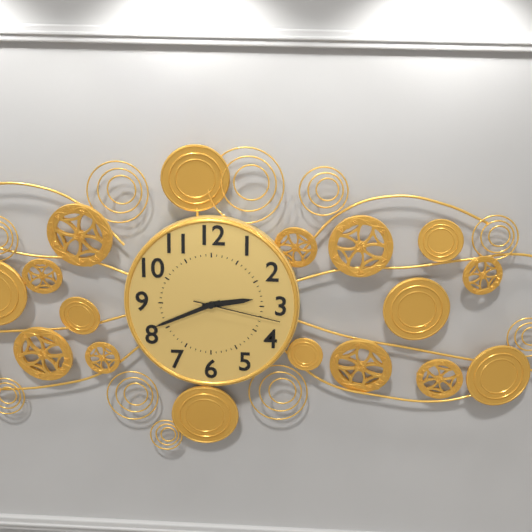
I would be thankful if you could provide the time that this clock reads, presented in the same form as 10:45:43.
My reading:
2:41:17
